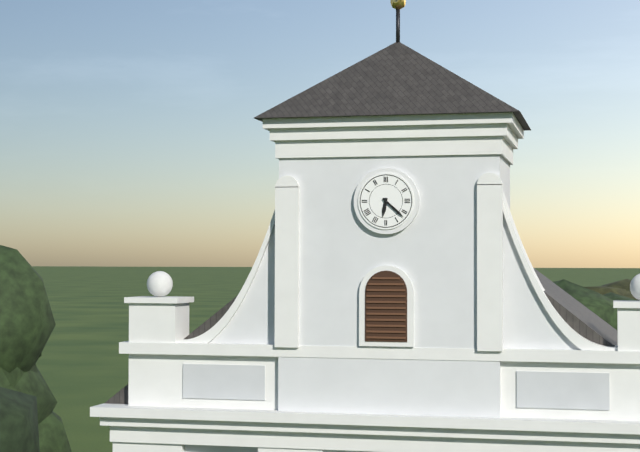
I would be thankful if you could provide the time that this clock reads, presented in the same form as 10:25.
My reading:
6:22
